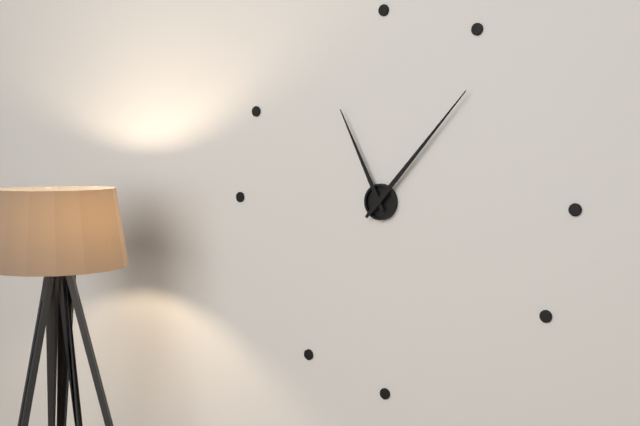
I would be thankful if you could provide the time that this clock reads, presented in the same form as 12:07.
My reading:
11:07
